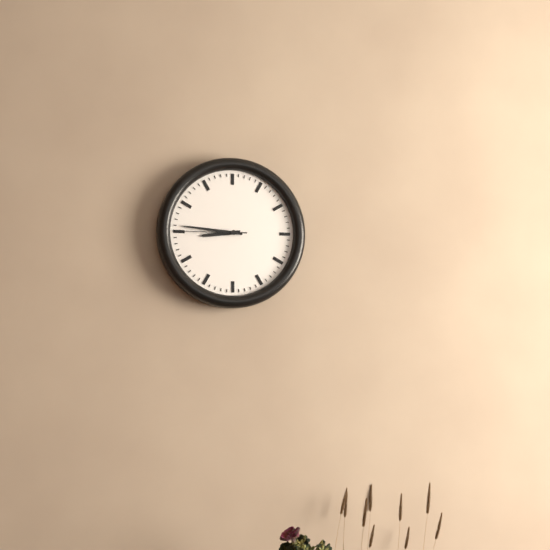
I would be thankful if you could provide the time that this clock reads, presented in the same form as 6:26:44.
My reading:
8:46:45
